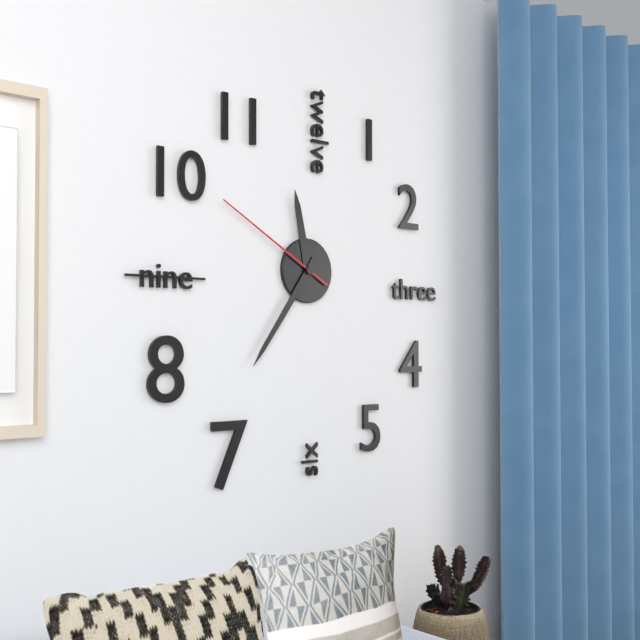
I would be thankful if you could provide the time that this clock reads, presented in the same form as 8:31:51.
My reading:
11:36:50
